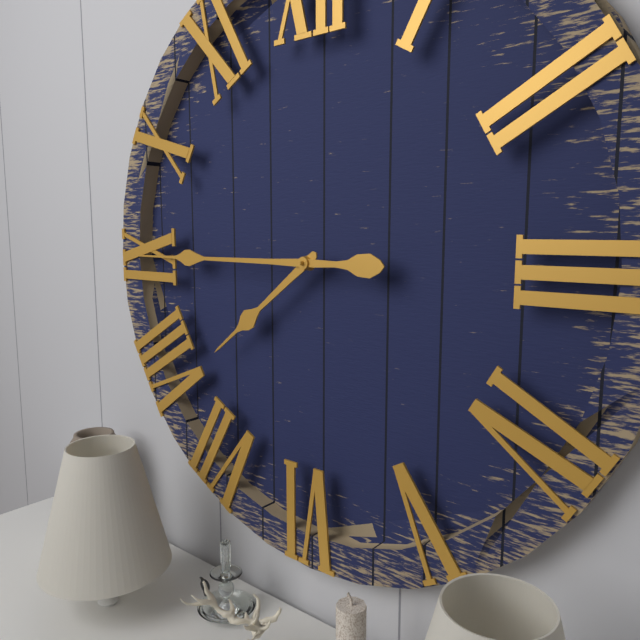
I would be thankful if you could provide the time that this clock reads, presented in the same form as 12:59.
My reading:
7:45
